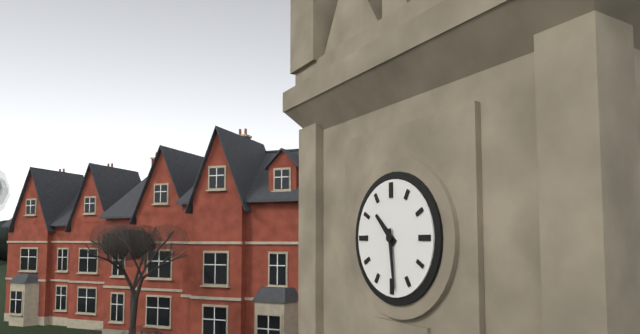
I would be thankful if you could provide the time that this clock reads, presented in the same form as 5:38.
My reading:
10:29
